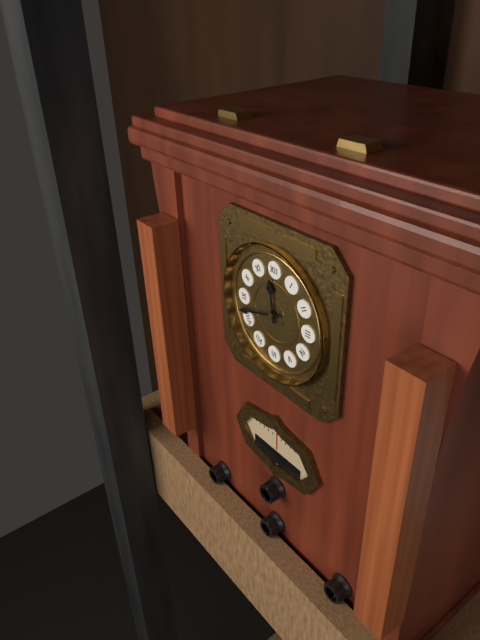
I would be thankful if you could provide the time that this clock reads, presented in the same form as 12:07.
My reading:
11:42
